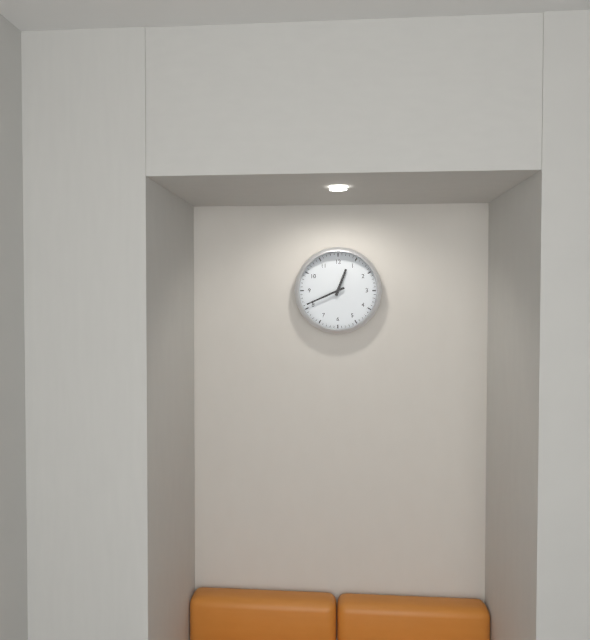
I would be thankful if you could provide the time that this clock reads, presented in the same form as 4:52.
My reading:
12:41
